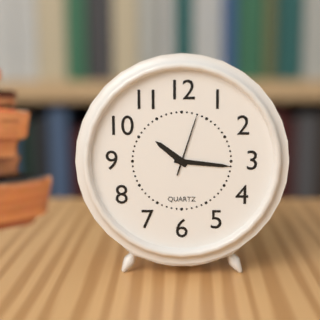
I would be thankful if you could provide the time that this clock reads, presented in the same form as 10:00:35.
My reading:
10:16:03
